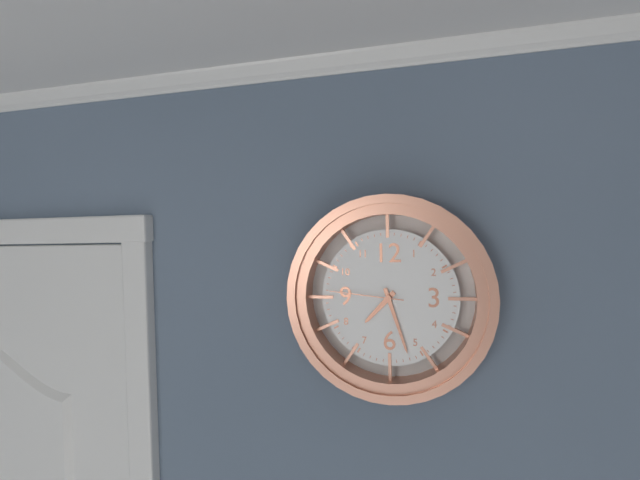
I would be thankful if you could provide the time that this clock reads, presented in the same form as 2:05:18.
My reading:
7:27:46
